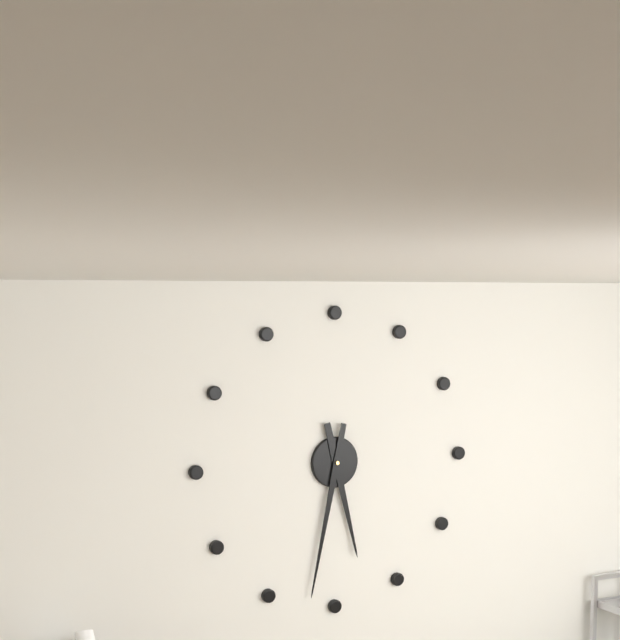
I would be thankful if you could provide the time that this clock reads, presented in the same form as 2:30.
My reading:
5:32
